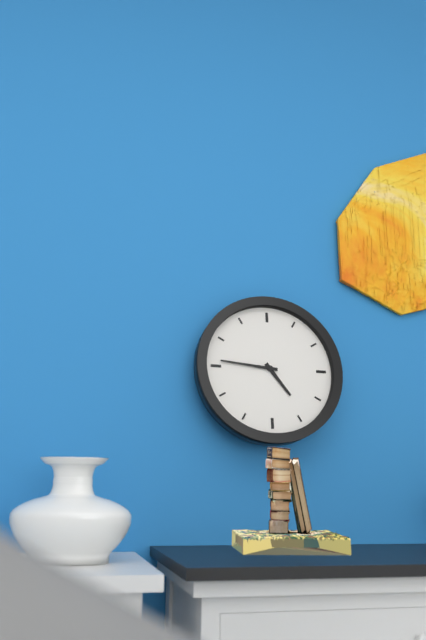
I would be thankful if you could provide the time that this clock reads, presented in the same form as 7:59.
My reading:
4:46
